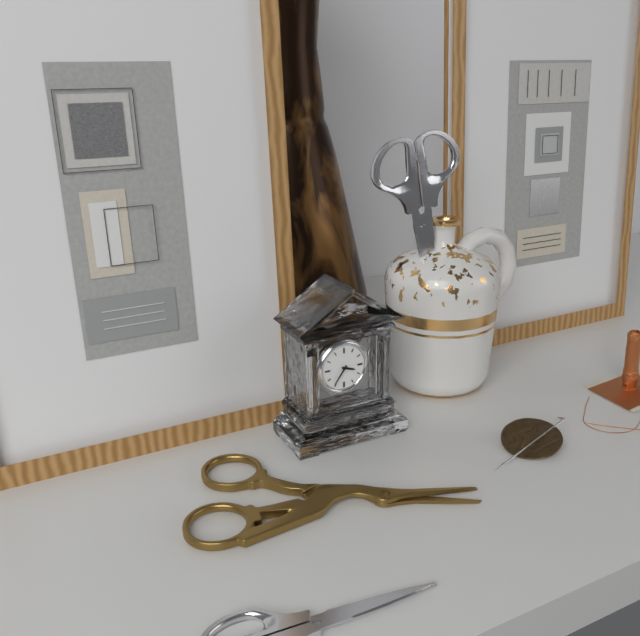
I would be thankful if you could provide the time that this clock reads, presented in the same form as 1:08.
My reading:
3:36
